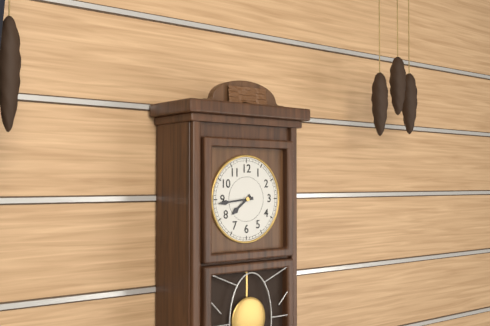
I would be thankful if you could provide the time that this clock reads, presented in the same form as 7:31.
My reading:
7:44
